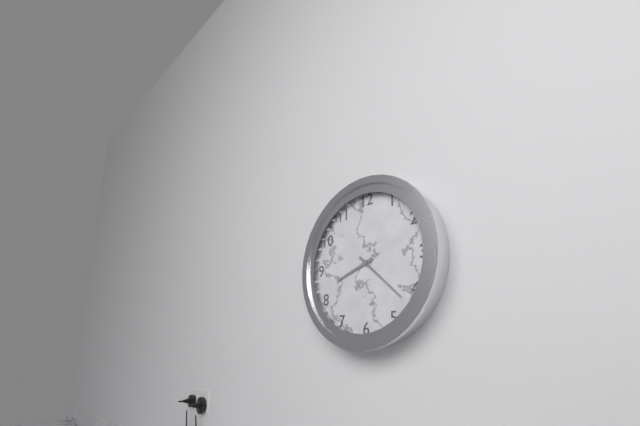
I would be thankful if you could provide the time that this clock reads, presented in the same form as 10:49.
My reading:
8:22
